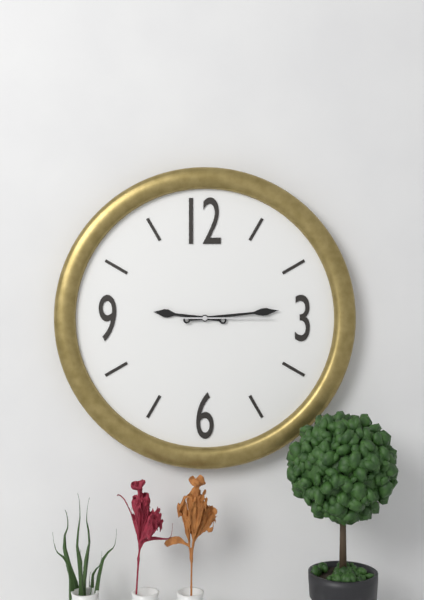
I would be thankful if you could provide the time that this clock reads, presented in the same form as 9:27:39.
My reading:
9:14:15
